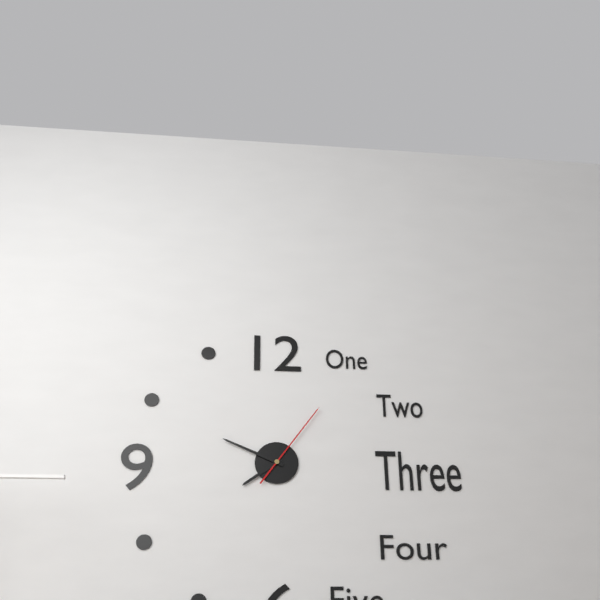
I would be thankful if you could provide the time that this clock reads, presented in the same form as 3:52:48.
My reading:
7:49:06
